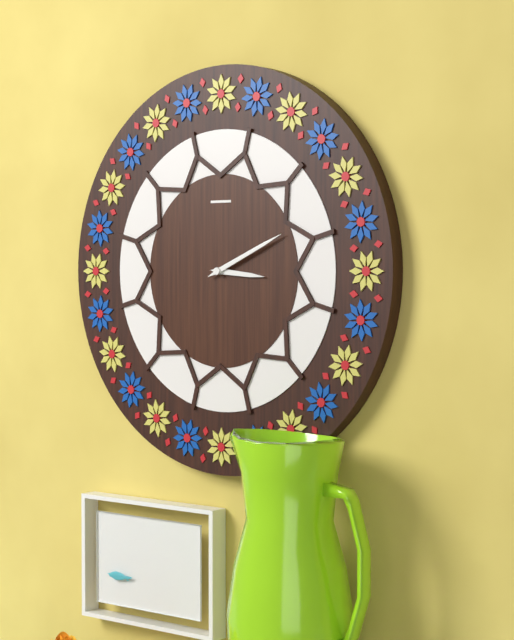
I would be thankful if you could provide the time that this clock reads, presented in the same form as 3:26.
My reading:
3:11
